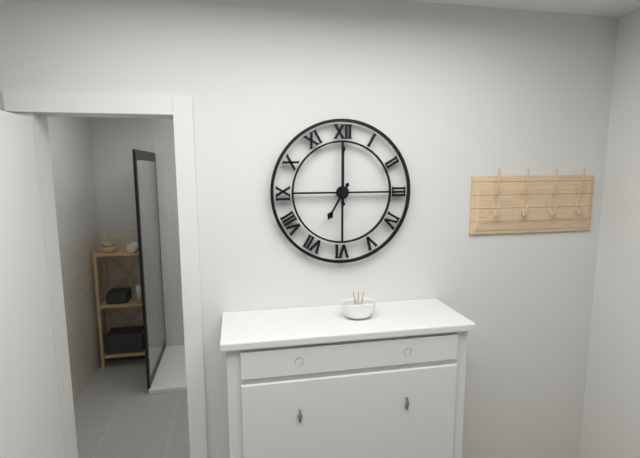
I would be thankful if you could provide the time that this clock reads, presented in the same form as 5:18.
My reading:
7:00
